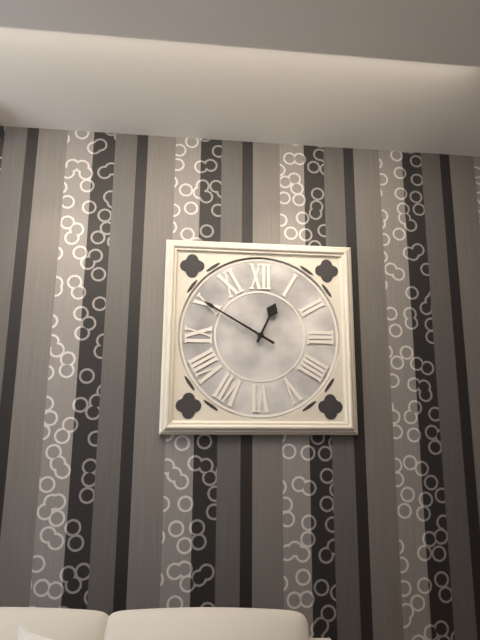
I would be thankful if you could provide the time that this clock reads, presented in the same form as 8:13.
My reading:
12:50
